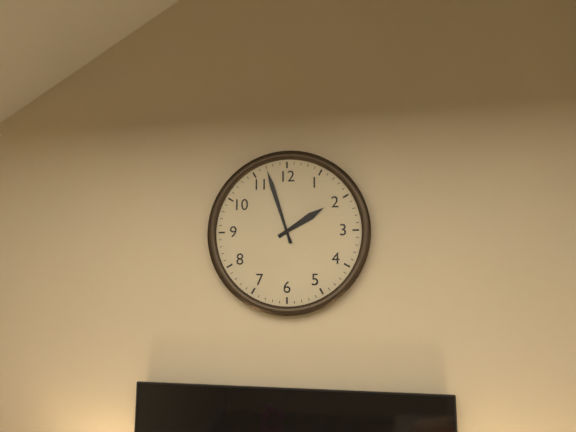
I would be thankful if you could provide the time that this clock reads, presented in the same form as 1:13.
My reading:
1:57
